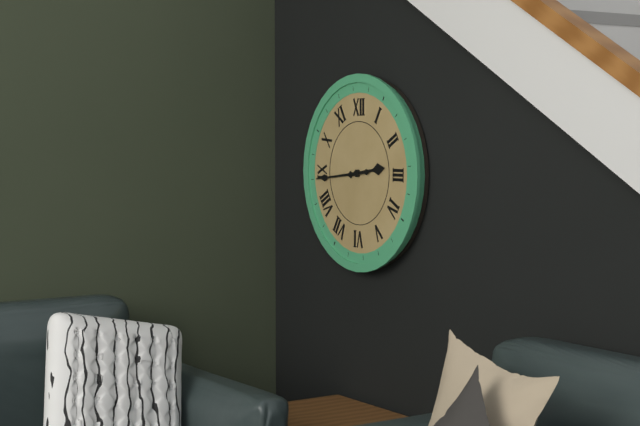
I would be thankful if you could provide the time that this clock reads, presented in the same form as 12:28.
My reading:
2:44
